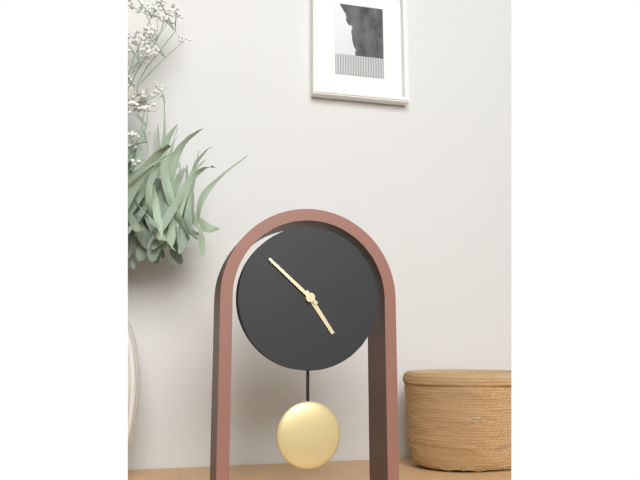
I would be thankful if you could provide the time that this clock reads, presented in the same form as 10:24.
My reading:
4:52
